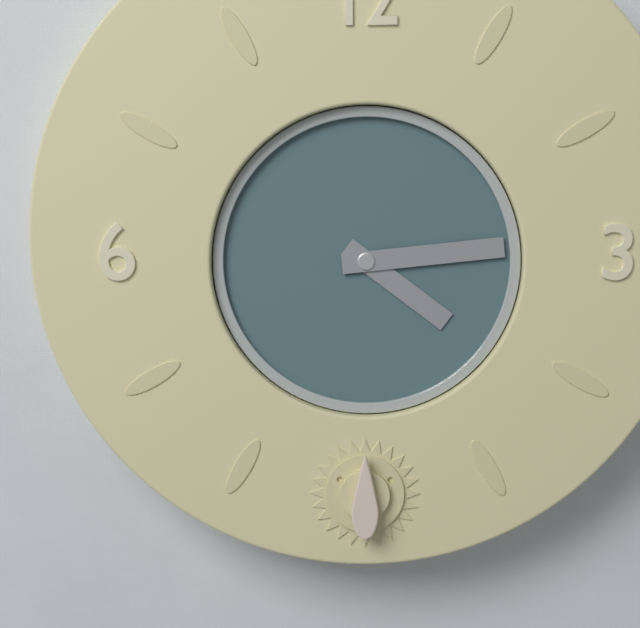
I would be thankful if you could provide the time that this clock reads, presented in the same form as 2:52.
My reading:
4:14
